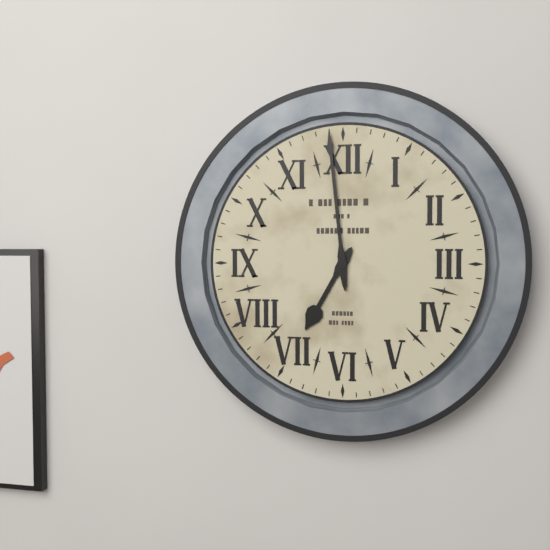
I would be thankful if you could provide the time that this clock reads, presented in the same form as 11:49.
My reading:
6:59
